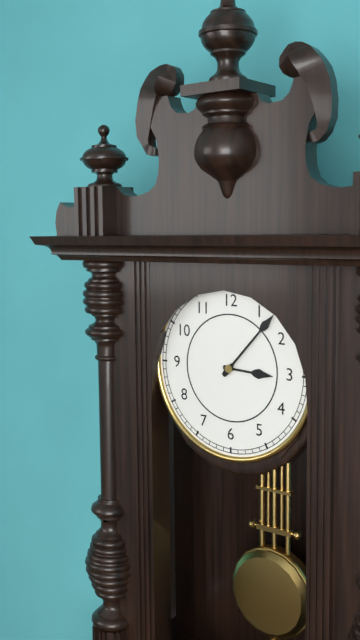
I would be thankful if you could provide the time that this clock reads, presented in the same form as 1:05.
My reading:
3:07
